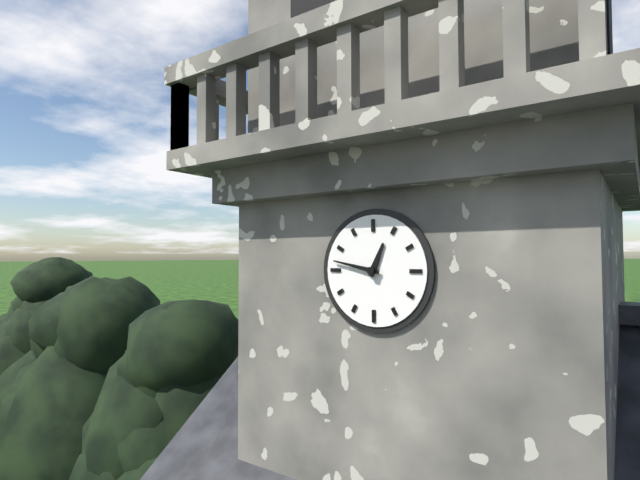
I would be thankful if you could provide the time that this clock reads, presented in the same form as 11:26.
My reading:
12:47
